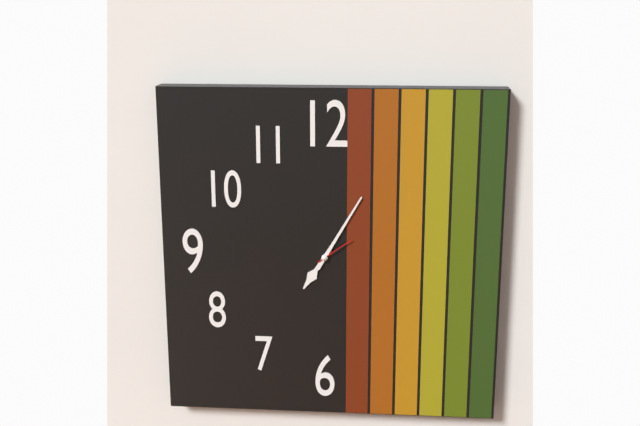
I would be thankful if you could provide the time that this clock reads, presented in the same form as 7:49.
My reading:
7:05
